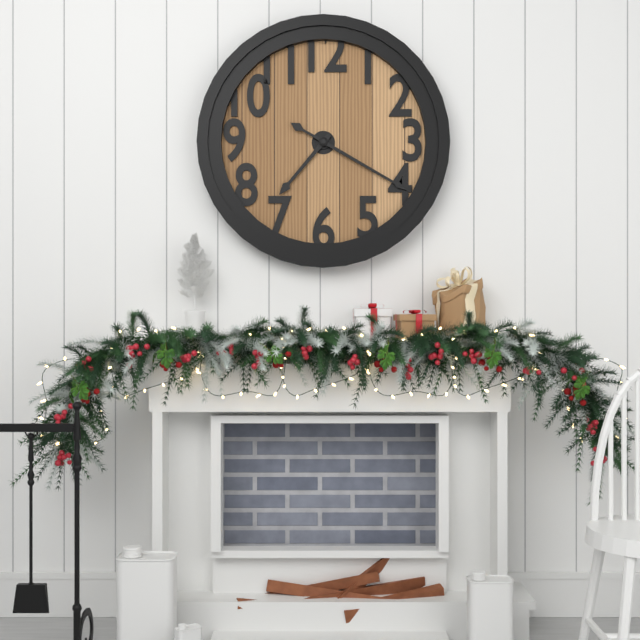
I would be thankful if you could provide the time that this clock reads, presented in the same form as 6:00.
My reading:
7:20
